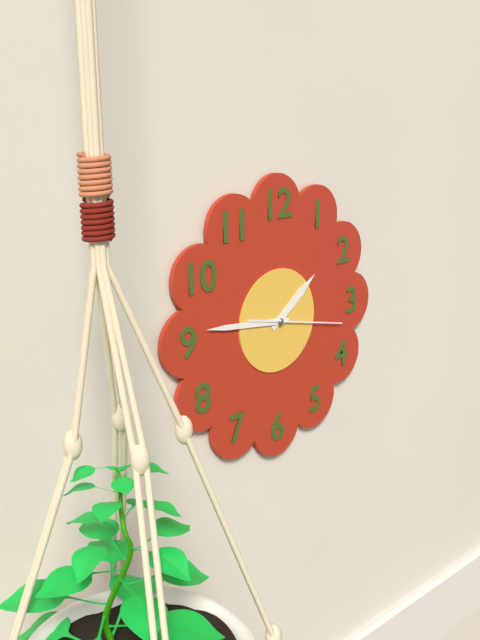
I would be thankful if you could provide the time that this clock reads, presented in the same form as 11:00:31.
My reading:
1:46:17
